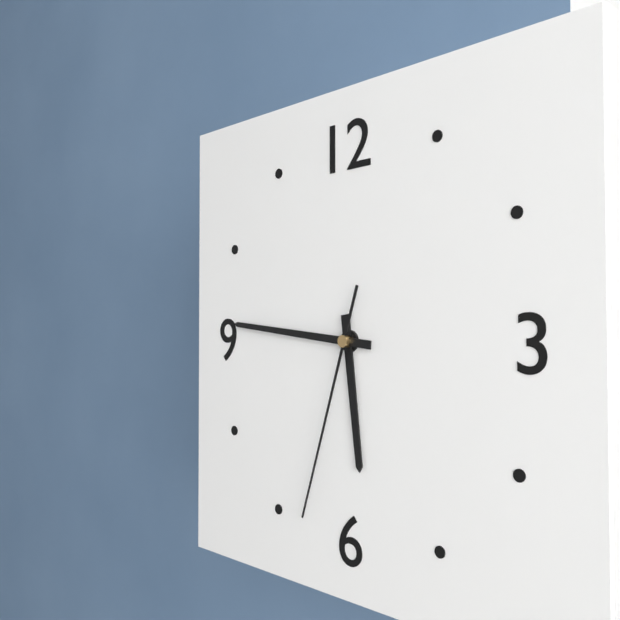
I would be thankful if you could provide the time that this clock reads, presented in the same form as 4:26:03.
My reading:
5:46:33
